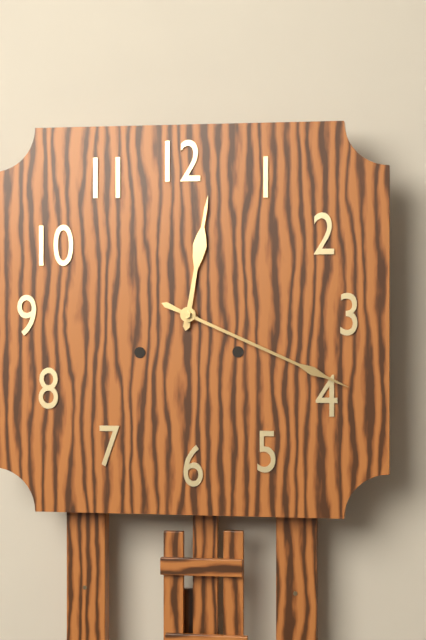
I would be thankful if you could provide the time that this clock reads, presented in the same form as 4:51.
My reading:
12:19
